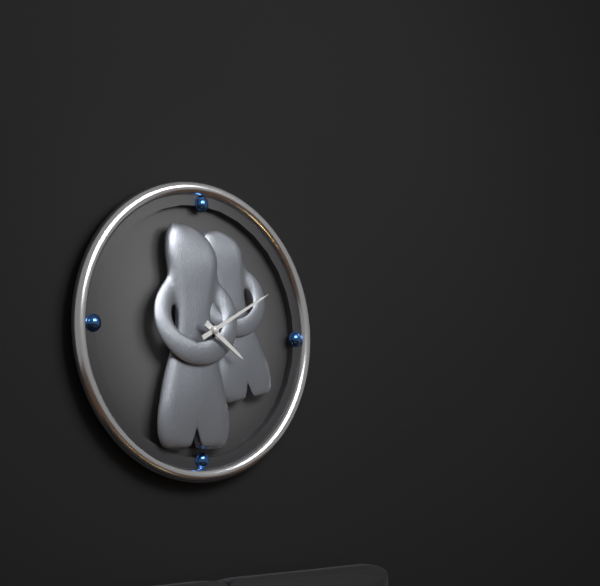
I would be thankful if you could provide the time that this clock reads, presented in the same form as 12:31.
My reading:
4:10
